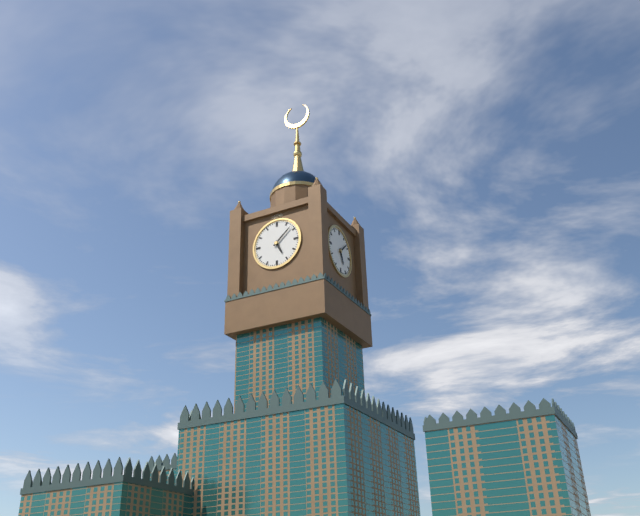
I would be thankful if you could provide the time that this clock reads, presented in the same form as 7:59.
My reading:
5:08
